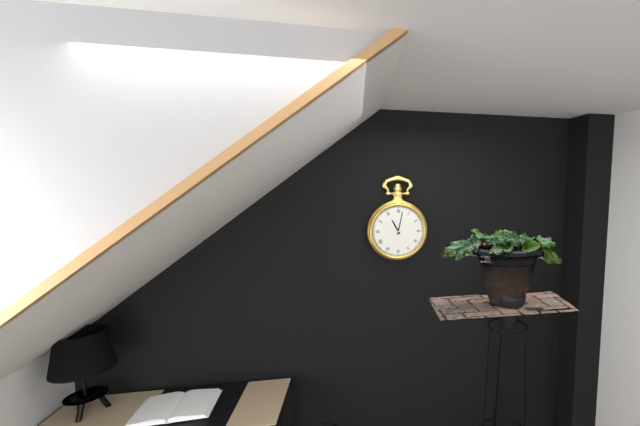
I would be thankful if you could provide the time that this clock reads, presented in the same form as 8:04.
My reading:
11:02
